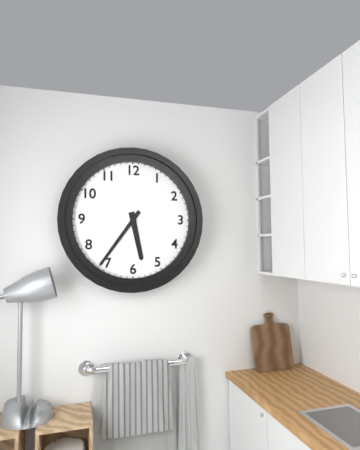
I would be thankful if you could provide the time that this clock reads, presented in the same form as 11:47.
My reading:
5:36
